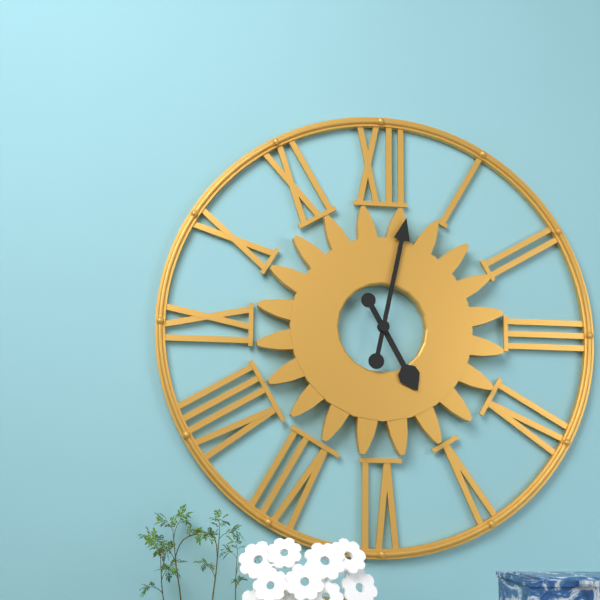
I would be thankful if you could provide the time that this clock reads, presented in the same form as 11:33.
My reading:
5:02
